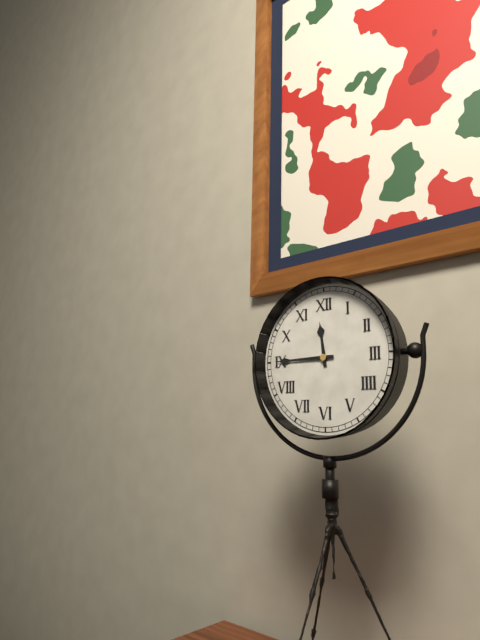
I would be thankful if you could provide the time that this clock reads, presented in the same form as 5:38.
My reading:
11:45
